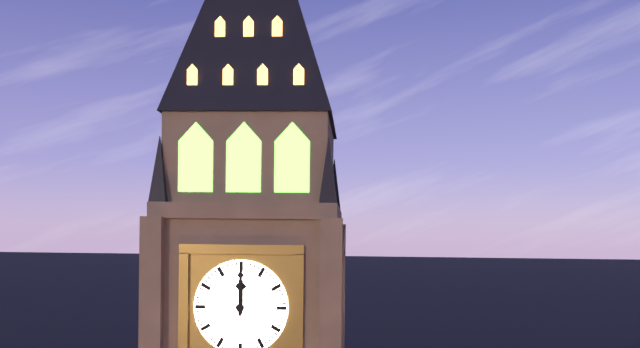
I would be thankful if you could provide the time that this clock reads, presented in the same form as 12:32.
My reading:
12:00
